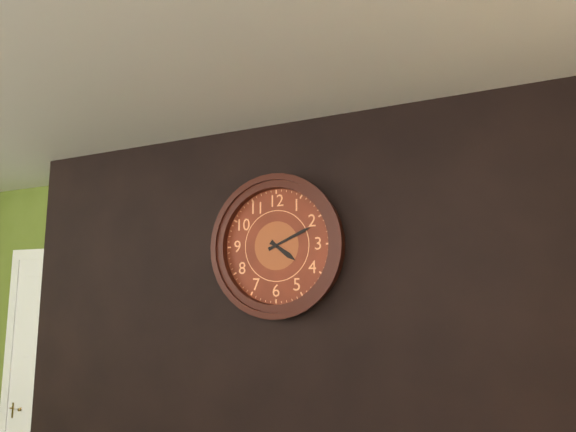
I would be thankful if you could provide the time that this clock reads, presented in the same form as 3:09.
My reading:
4:11
